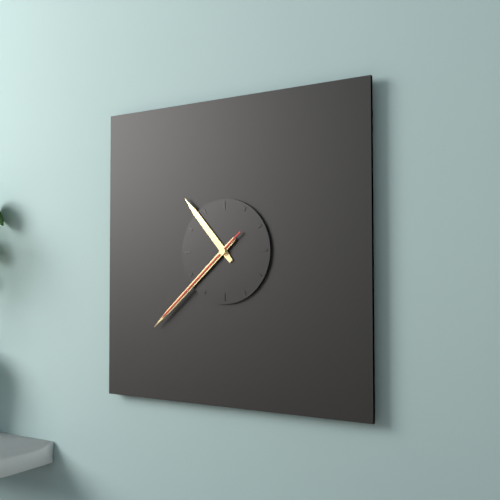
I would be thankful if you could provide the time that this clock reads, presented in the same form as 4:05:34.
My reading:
10:38:38
